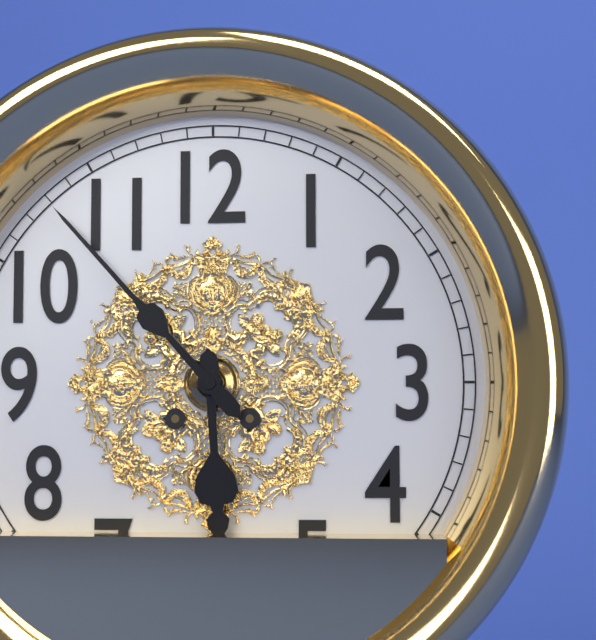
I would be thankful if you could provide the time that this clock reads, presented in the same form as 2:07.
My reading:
5:53
